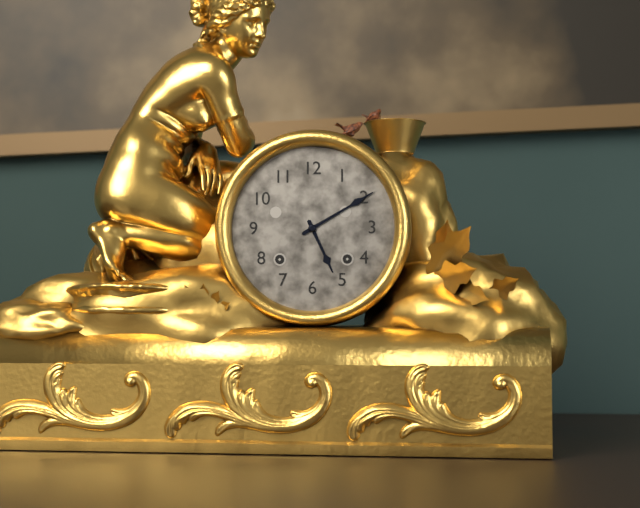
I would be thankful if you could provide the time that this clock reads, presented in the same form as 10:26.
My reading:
5:10
